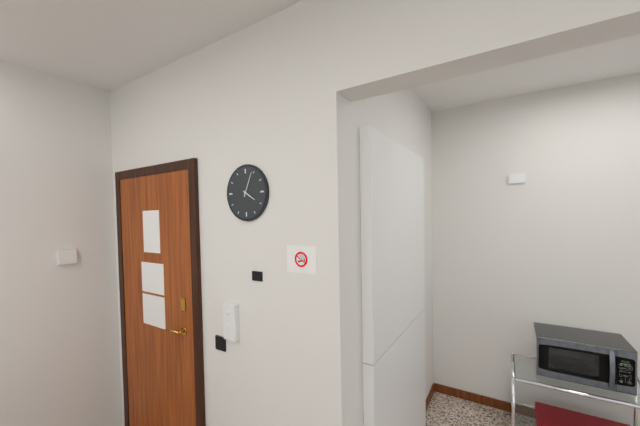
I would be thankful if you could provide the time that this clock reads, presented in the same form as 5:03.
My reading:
4:04
